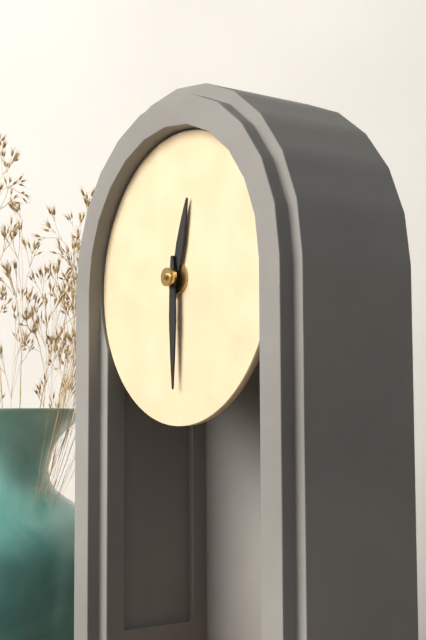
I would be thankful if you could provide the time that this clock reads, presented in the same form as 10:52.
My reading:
12:30
